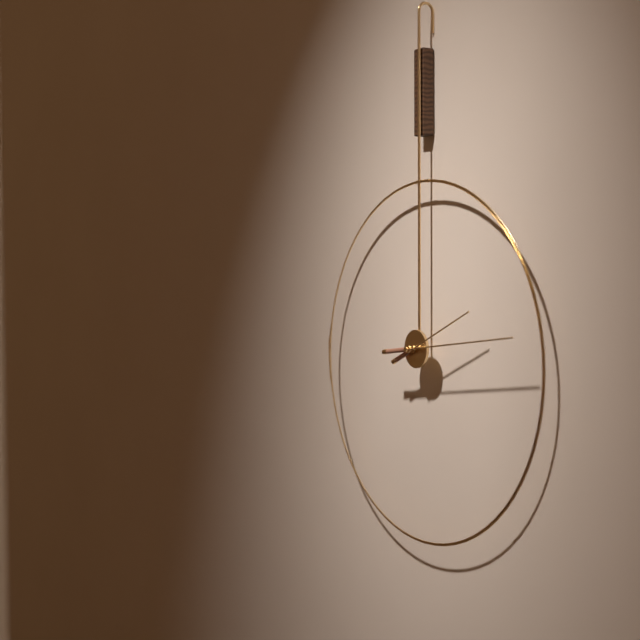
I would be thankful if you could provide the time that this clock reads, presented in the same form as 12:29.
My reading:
2:14
